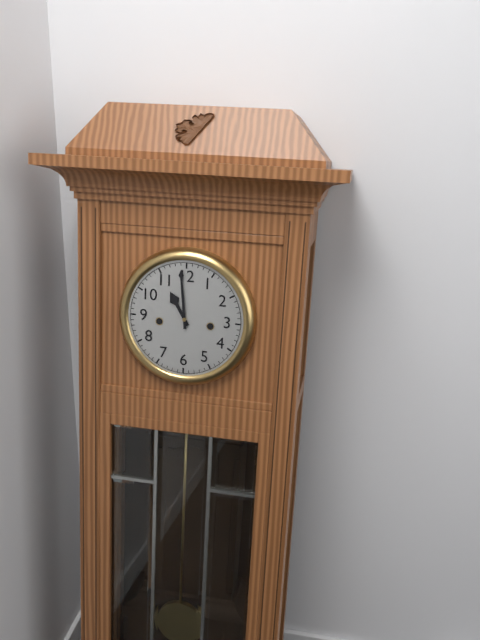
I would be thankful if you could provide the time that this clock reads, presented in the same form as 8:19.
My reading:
10:59
